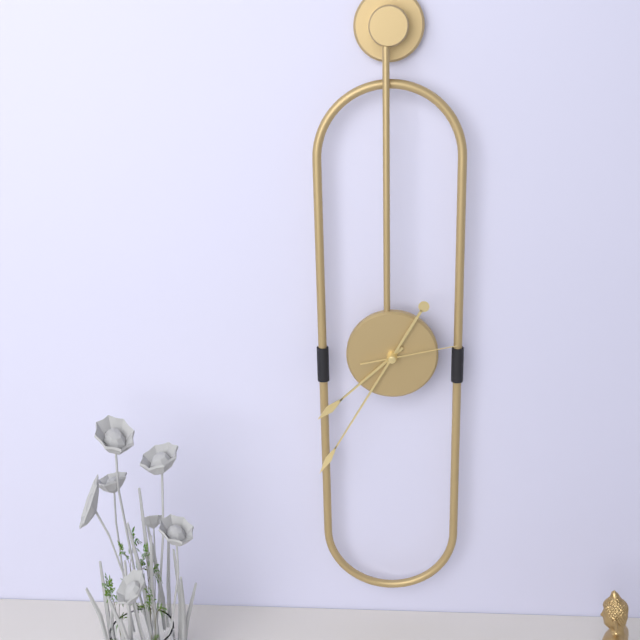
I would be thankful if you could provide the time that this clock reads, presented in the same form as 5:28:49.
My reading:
7:35:13
